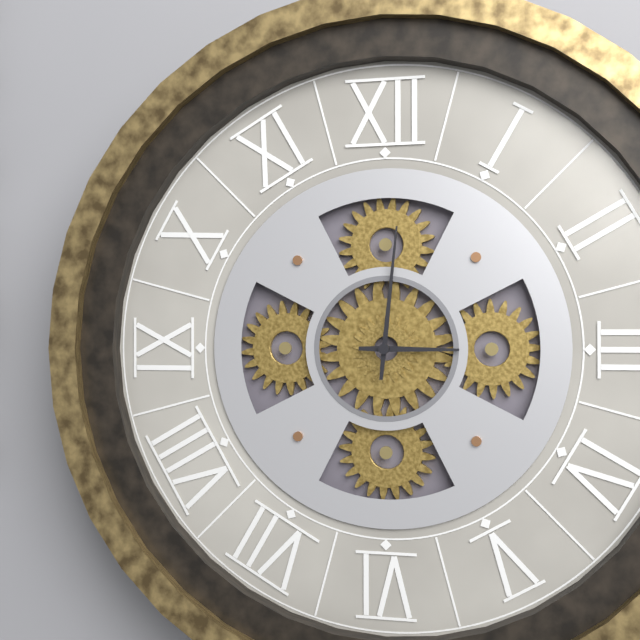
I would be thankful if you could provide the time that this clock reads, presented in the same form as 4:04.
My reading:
3:01
